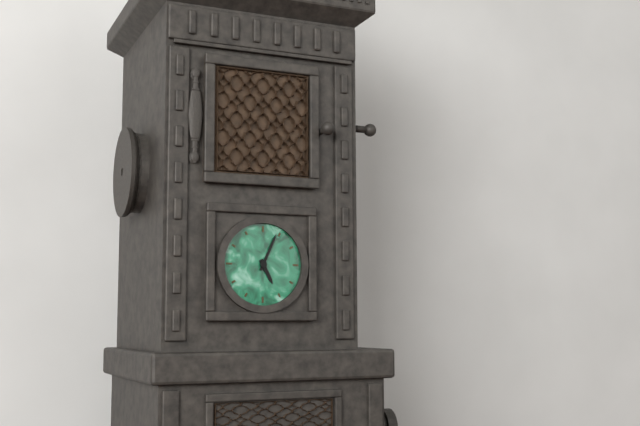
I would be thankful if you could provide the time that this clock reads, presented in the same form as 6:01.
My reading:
5:04
